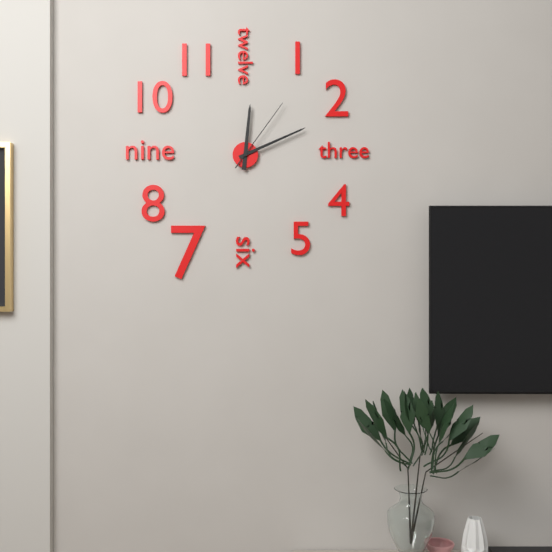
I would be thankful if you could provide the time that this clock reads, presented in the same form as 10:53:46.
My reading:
12:11:06
